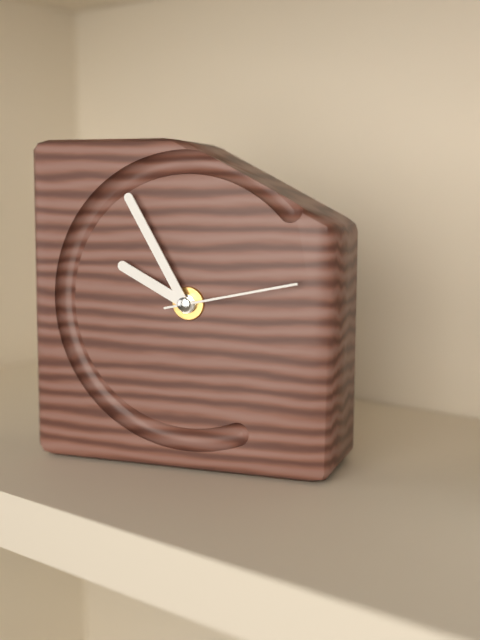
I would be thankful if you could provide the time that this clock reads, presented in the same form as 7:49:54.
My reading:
9:55:13
